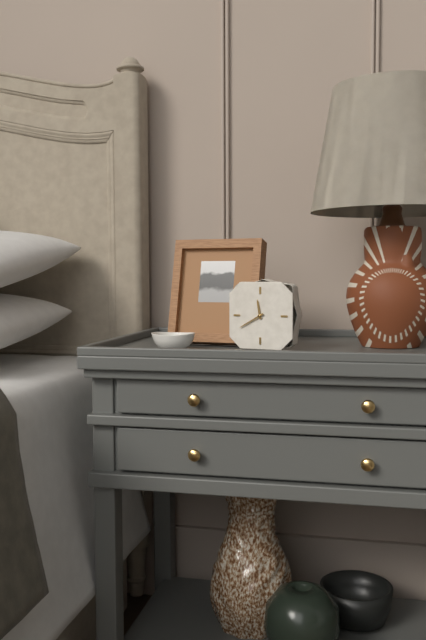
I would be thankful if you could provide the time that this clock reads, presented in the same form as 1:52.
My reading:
11:40
